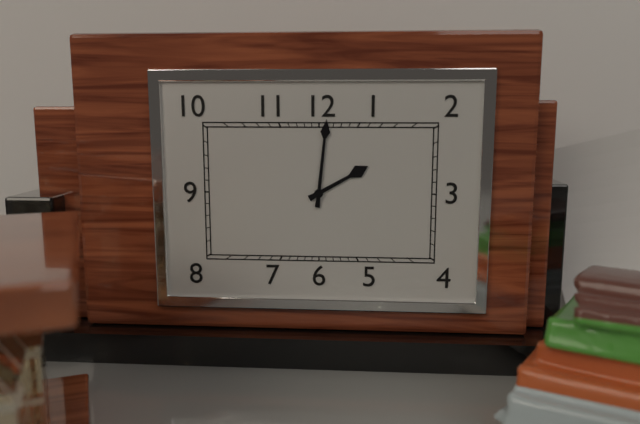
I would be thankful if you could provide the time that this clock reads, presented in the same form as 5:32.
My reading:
2:01
